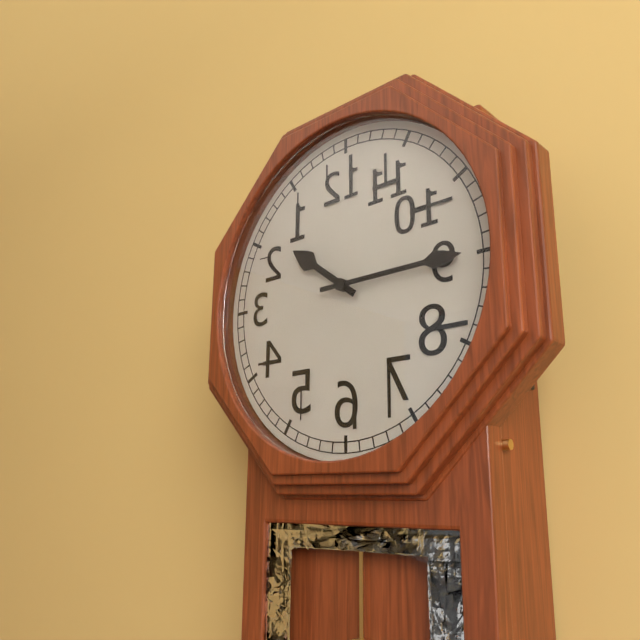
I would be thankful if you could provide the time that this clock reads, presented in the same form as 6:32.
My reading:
10:15
